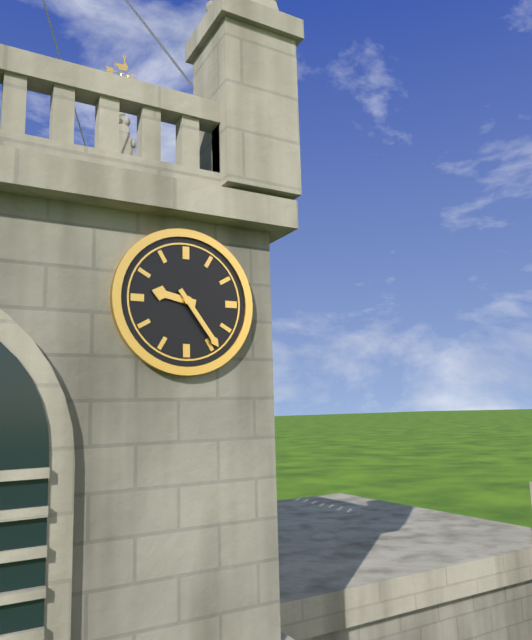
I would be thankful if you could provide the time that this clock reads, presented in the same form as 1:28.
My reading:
9:24
